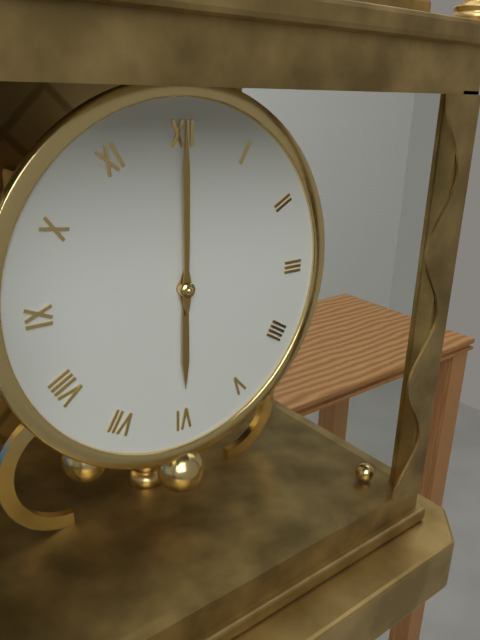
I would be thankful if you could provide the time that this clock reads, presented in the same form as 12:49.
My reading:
6:00
